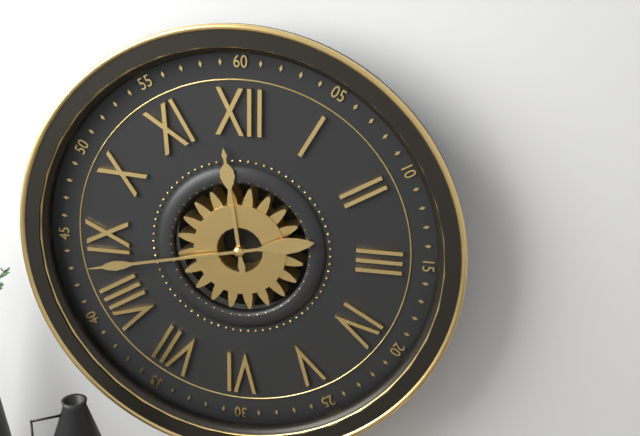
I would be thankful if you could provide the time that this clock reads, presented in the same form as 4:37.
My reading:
11:43
